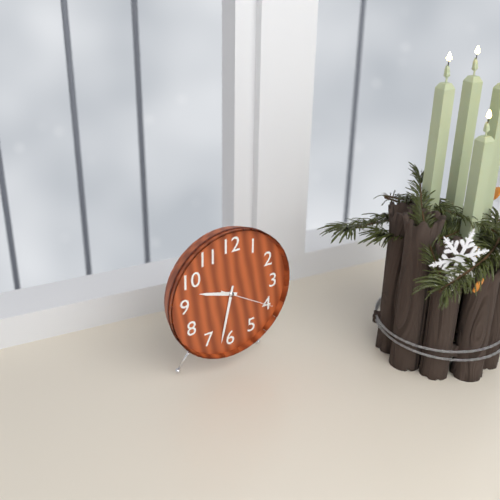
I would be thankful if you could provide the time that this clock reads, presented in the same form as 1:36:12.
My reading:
9:32:20
